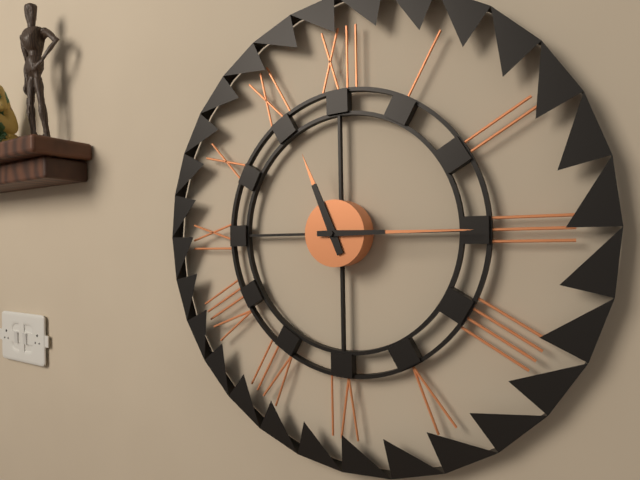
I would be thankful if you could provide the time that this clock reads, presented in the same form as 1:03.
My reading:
11:15
